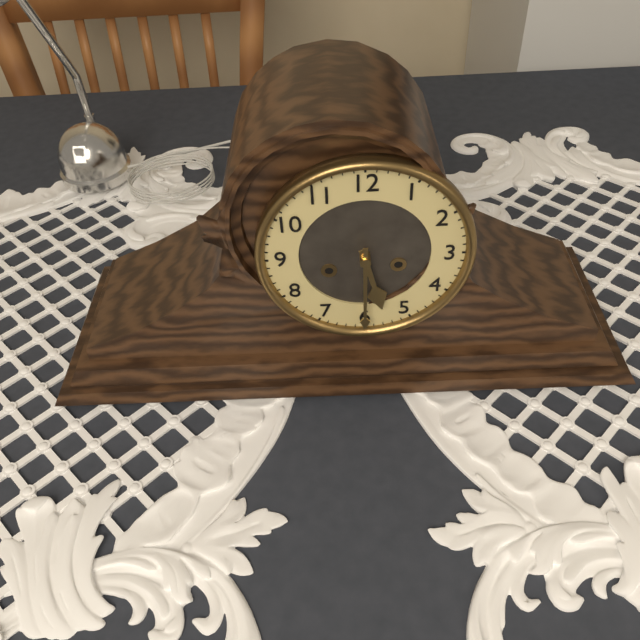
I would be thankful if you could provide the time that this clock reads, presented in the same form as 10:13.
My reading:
5:30
